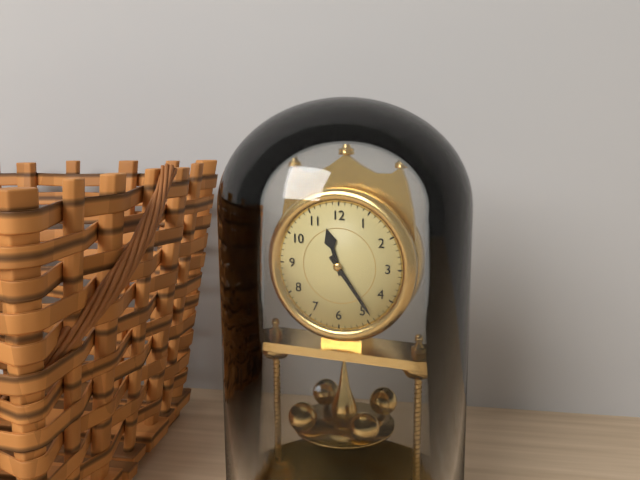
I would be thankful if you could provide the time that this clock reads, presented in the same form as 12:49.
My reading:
11:24
